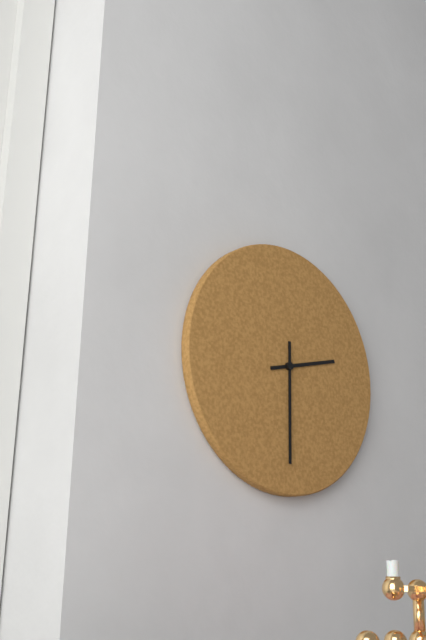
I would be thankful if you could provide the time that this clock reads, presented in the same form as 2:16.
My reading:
2:30
